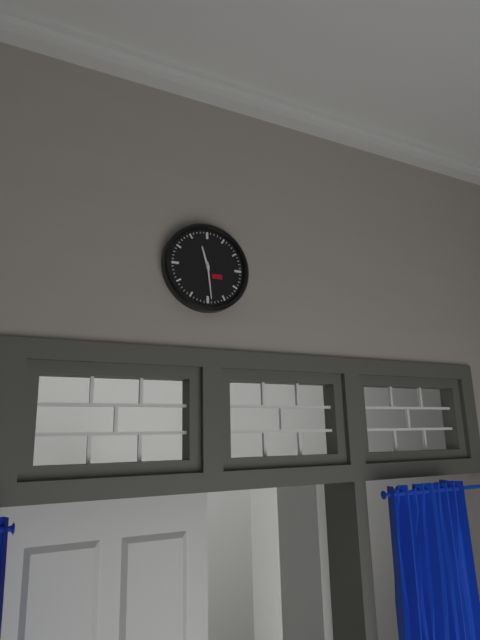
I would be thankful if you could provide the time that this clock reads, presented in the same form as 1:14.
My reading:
11:29
